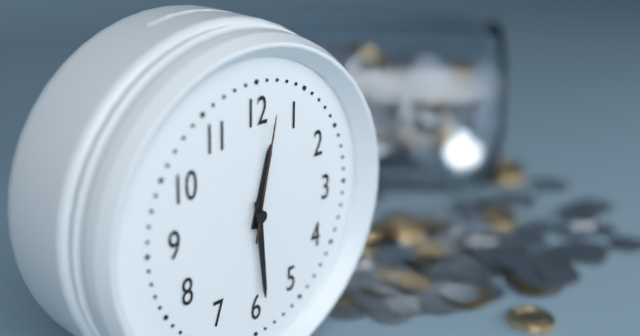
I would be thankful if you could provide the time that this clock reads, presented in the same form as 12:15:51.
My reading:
12:29:02
